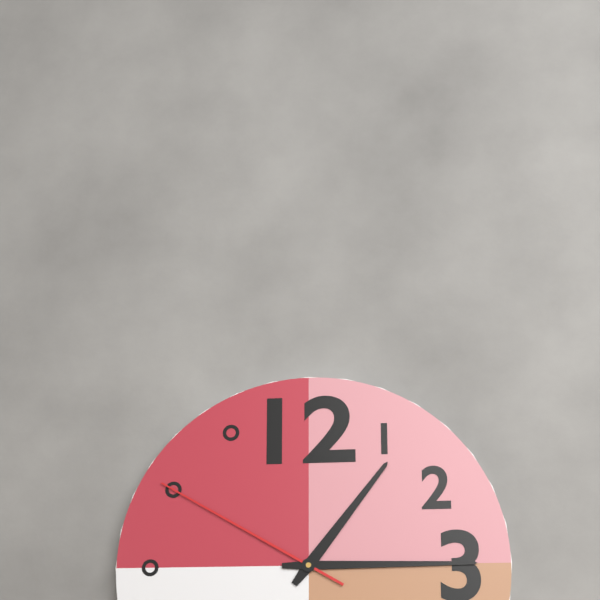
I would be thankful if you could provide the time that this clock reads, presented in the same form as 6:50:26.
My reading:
1:15:50
